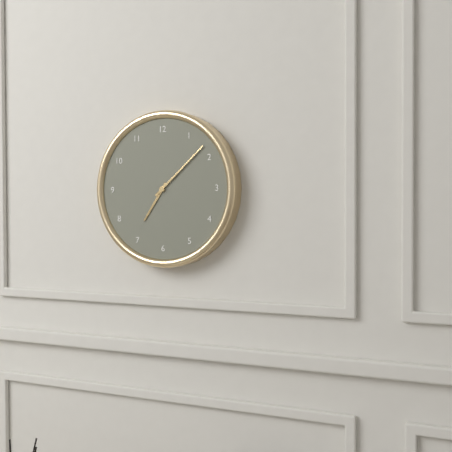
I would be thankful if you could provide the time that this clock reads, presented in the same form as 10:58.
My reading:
7:08
